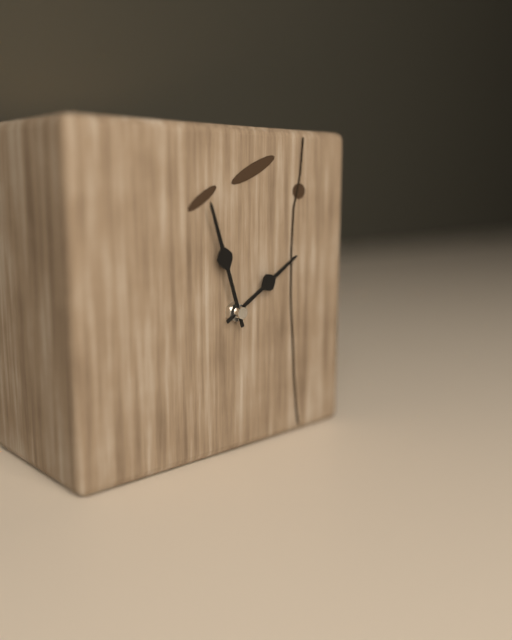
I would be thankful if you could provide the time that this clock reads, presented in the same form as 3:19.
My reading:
1:57
